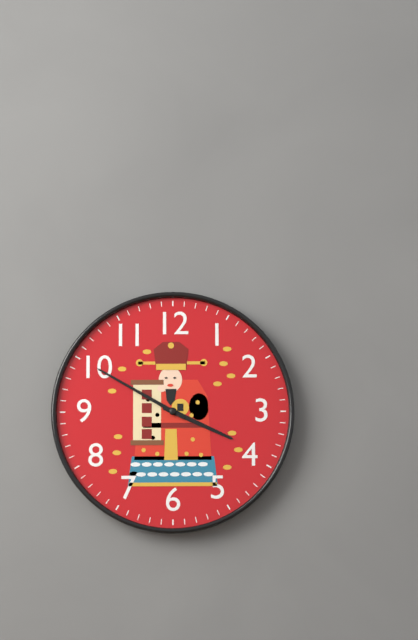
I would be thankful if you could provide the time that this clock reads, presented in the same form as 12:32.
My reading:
3:50
